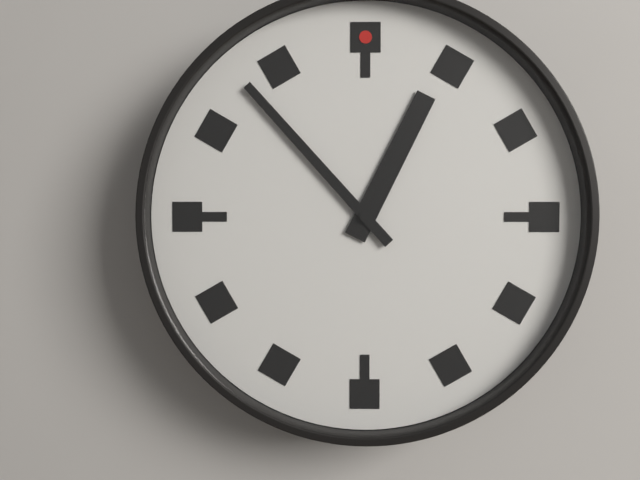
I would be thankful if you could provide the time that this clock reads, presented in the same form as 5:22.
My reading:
12:53
